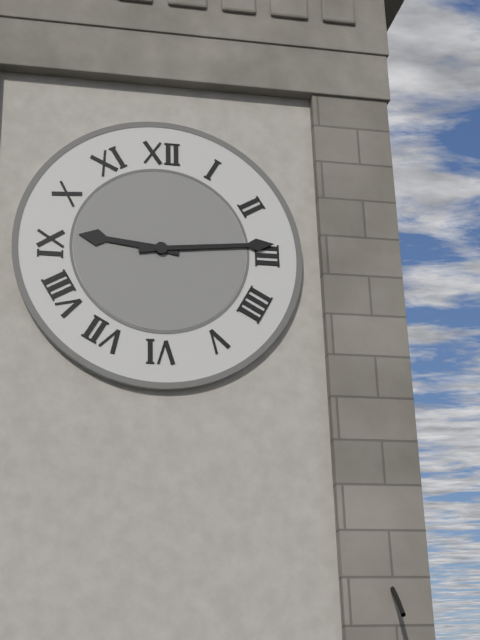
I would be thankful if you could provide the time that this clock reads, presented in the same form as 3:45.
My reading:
9:14
